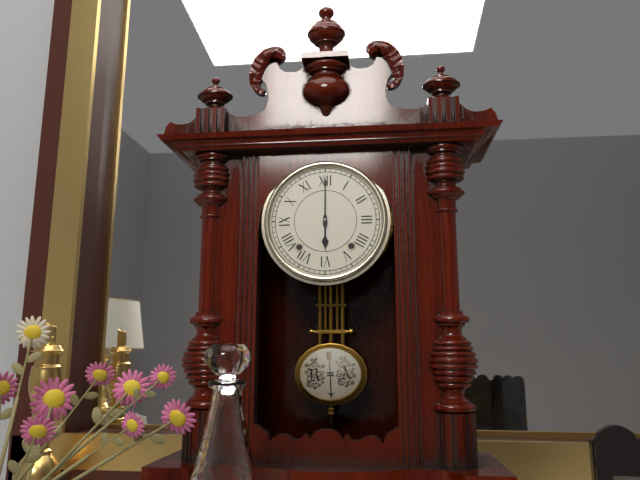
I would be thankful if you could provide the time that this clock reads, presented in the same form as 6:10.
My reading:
6:00
